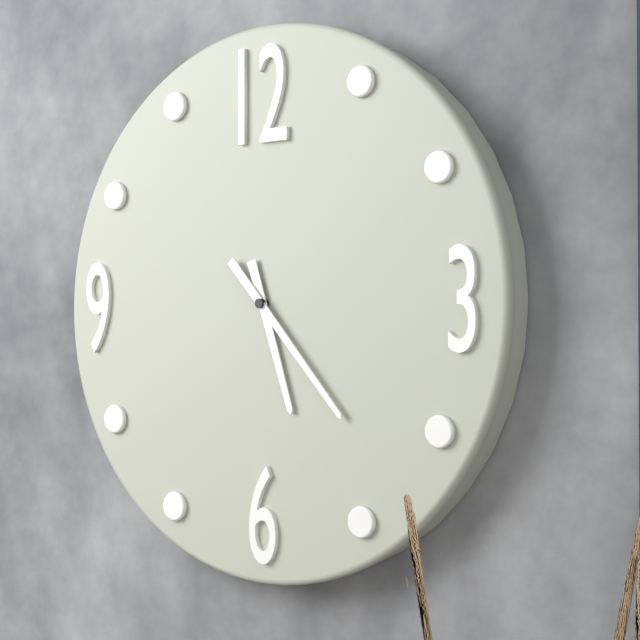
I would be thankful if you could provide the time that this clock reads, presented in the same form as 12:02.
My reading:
5:23
